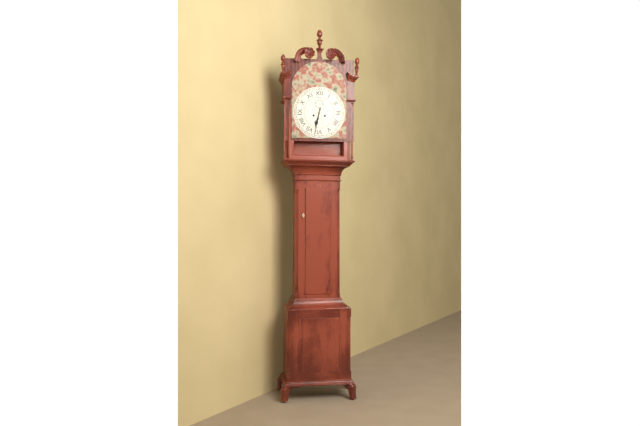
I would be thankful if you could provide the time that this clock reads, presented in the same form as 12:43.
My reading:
6:32
